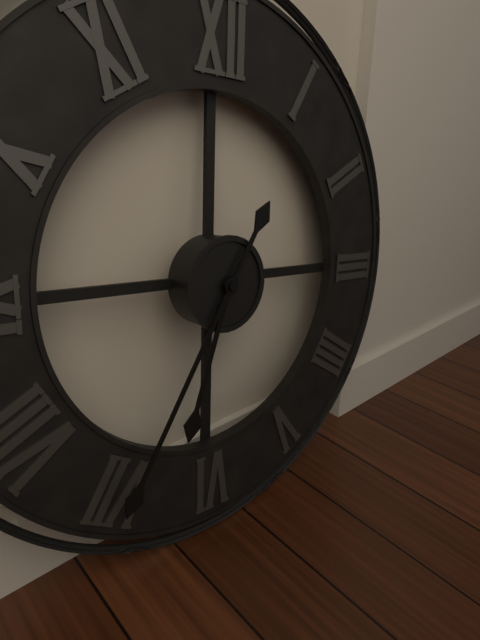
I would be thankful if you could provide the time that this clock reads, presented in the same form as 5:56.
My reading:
6:35
